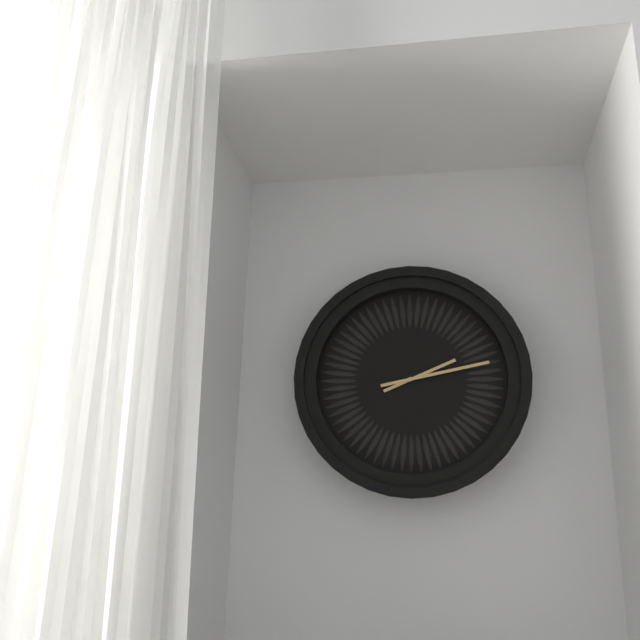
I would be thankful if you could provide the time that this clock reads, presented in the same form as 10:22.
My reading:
2:13
